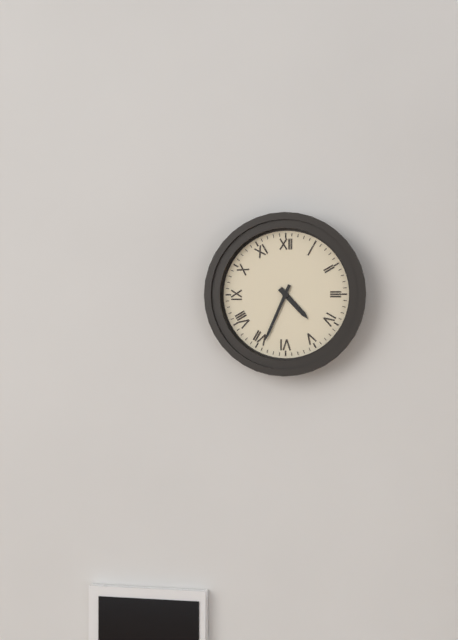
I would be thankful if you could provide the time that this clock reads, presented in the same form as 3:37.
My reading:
4:34
